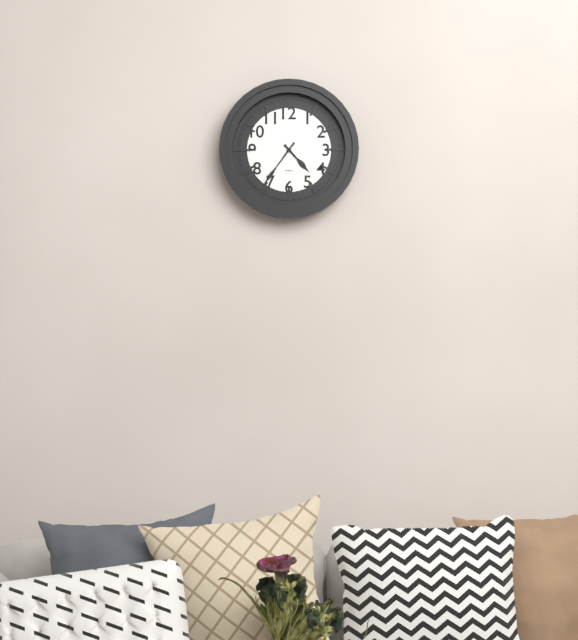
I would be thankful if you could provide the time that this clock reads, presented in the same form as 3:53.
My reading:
4:36
